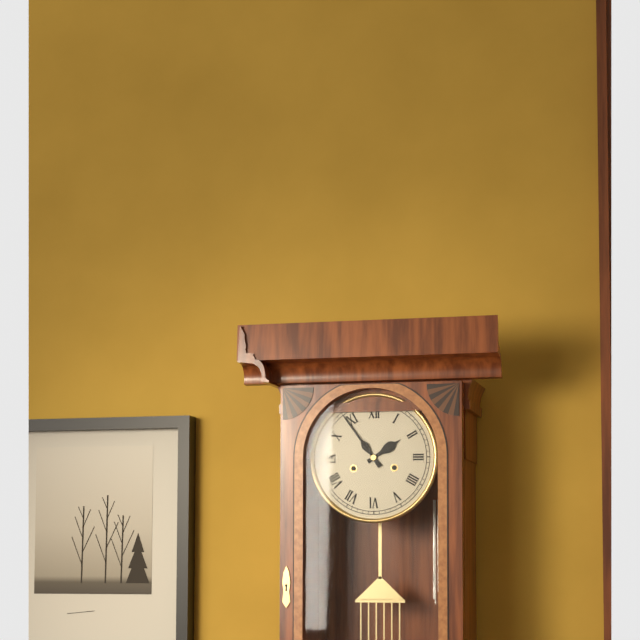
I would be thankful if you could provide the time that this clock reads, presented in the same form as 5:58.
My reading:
1:54
